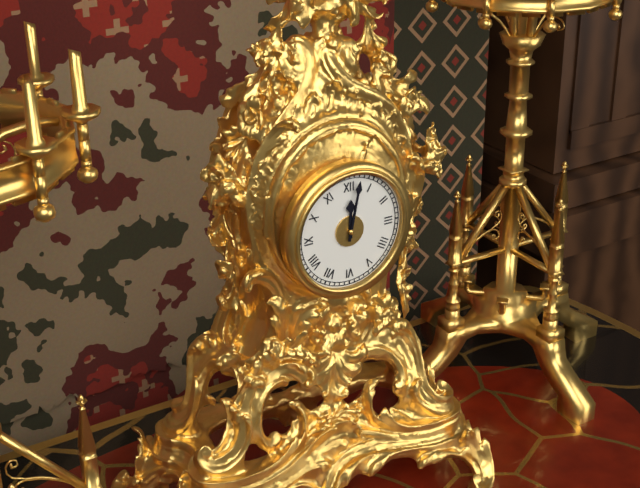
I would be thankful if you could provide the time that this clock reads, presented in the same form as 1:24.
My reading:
12:02
